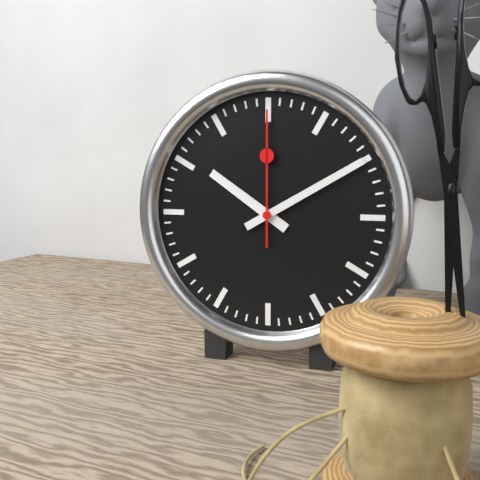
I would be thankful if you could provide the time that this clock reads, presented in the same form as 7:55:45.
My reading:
10:10:00
